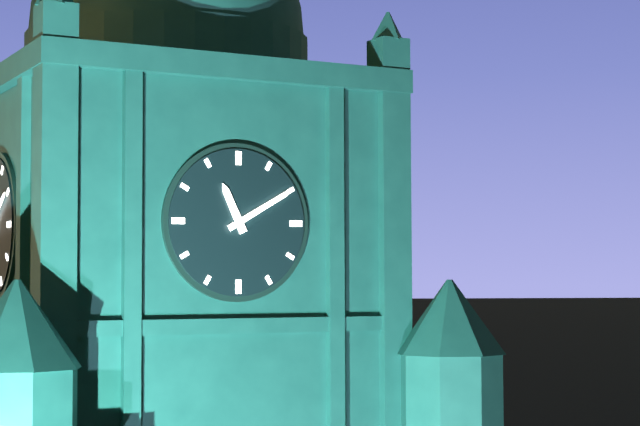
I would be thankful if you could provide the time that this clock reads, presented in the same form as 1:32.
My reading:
11:10
